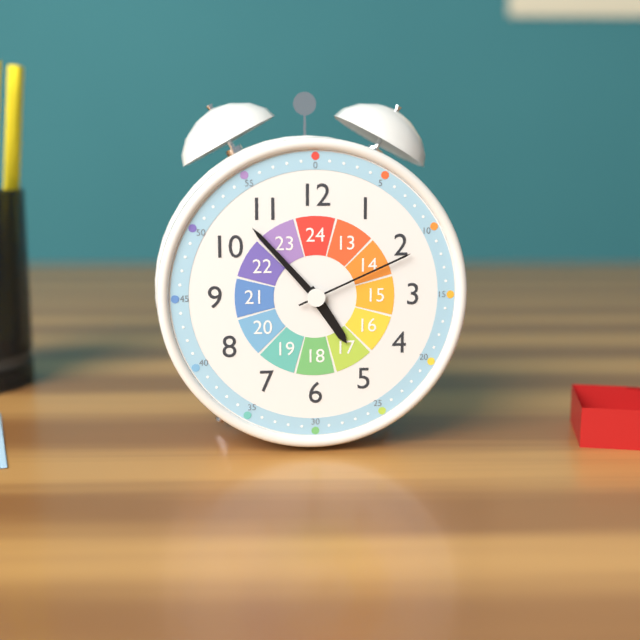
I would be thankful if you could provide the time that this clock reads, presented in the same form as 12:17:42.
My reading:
4:53:11
